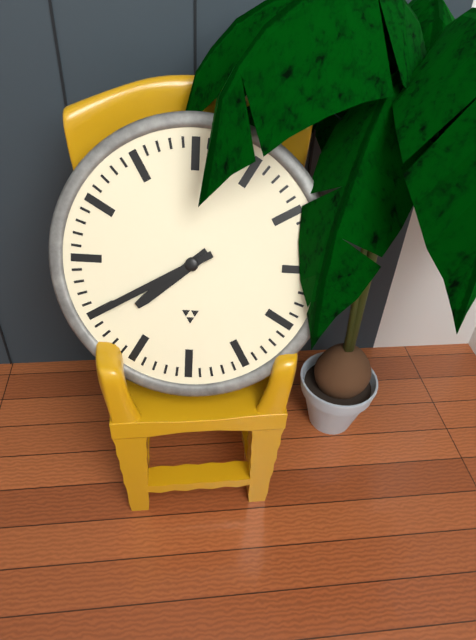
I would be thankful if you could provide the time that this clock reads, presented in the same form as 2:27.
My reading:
7:40
